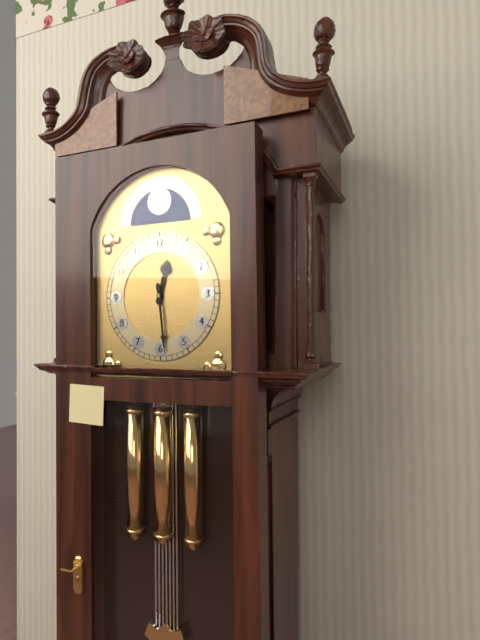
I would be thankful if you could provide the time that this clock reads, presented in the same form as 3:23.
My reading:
12:29
